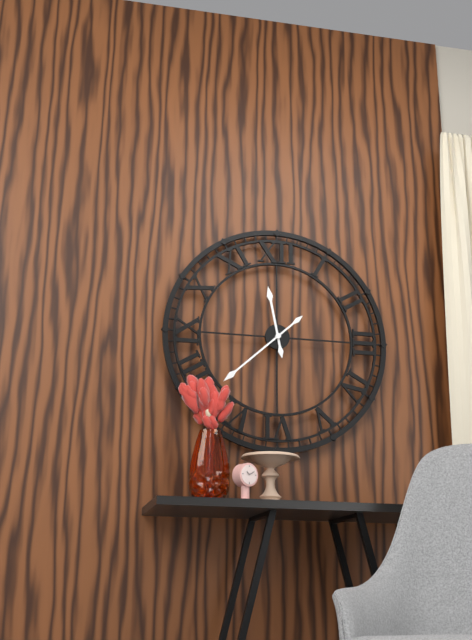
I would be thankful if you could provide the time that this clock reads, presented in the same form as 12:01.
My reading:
11:38
